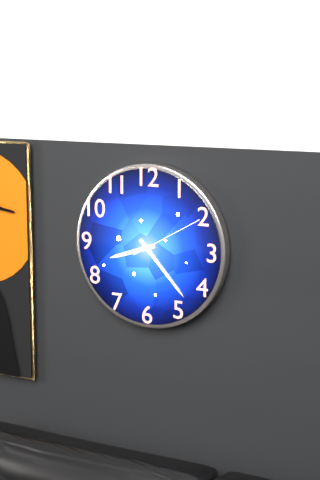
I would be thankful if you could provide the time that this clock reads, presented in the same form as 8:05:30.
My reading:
8:23:10
